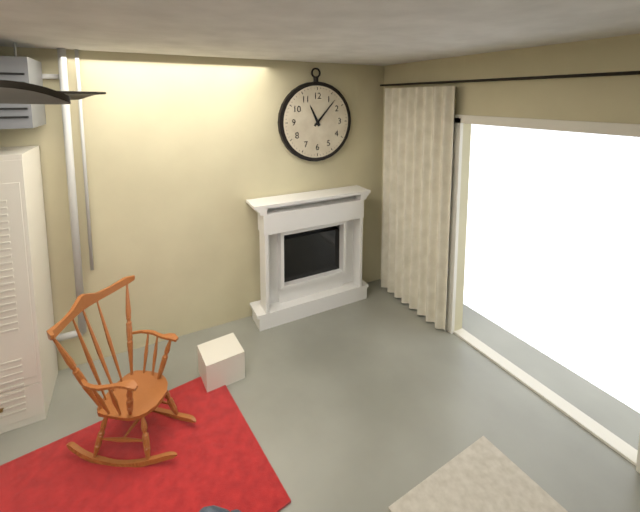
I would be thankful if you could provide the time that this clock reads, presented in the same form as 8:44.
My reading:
11:07
